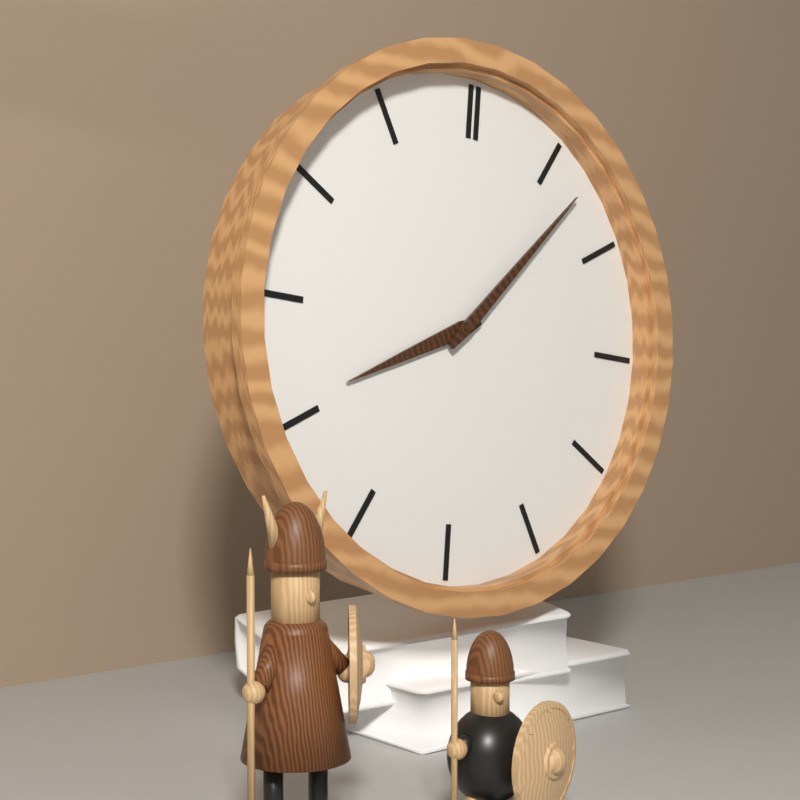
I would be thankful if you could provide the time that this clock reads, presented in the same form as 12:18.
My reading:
8:07
